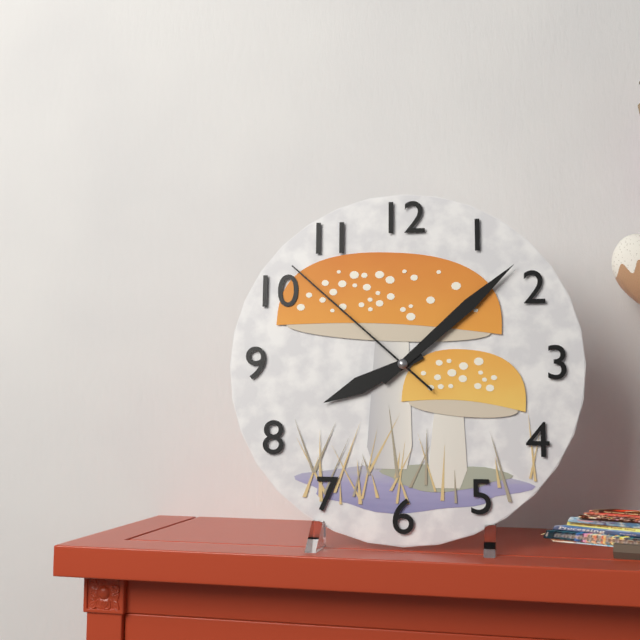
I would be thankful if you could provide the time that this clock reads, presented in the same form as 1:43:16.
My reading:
8:08:52
